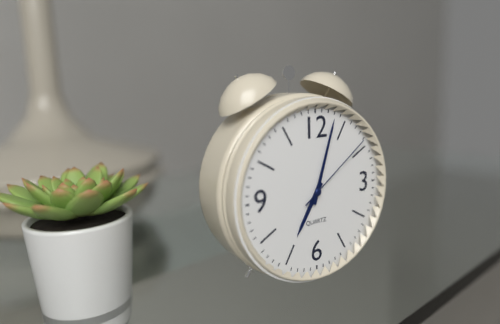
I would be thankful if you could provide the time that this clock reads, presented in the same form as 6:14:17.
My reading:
7:03:09
